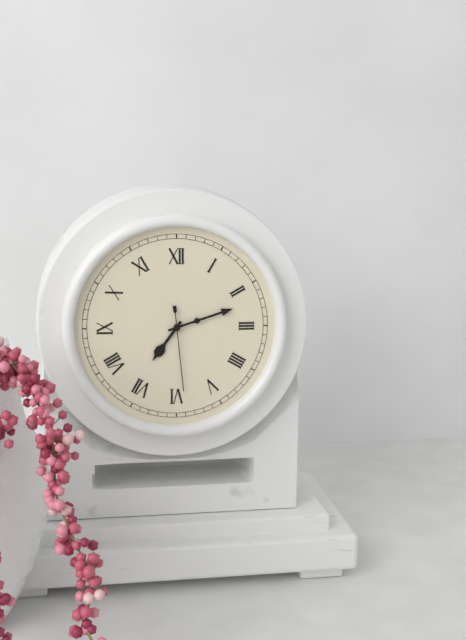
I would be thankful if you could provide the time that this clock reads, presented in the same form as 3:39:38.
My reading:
7:12:29
